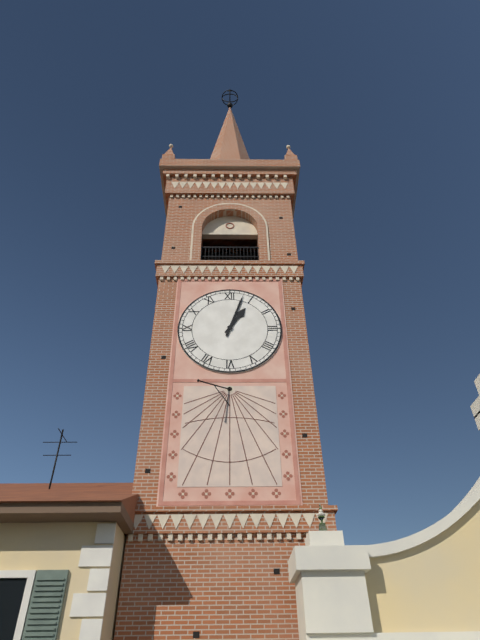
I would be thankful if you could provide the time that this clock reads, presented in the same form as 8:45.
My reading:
1:03
